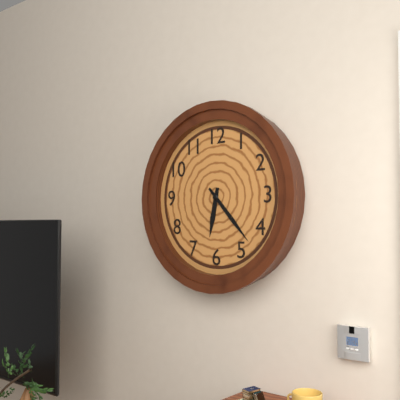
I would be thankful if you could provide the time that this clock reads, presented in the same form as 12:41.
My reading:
6:23
